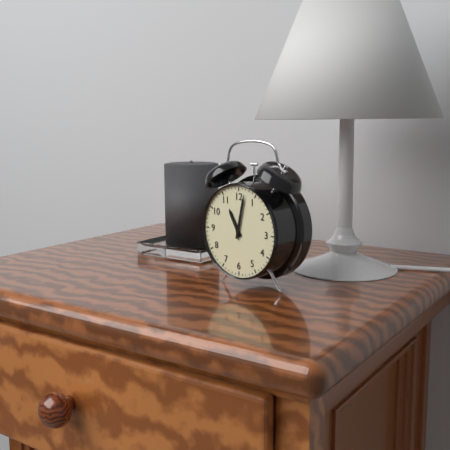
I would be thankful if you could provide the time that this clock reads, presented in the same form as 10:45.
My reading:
11:02
